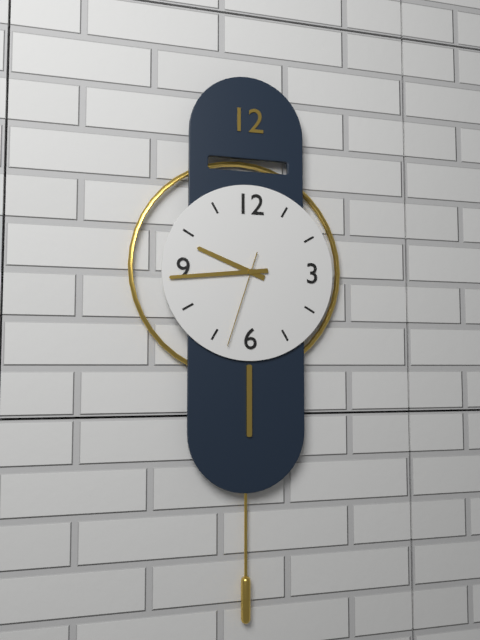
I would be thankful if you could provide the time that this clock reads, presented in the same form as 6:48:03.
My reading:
9:44:33
